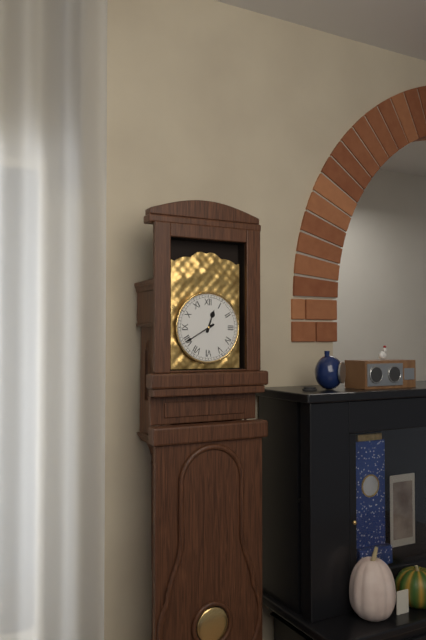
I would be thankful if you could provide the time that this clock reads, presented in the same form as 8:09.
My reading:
12:40
